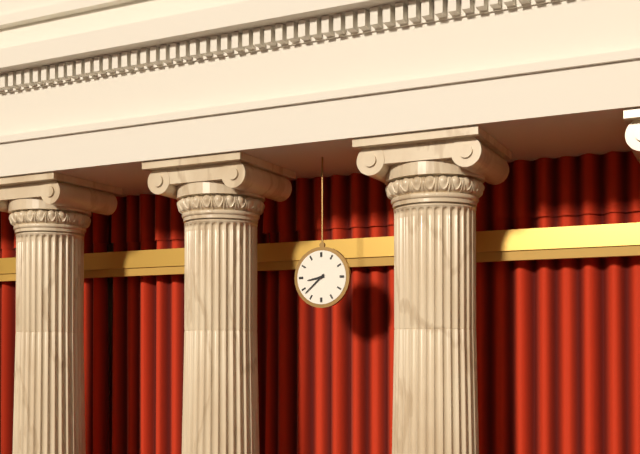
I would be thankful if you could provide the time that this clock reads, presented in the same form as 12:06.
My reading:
8:38
